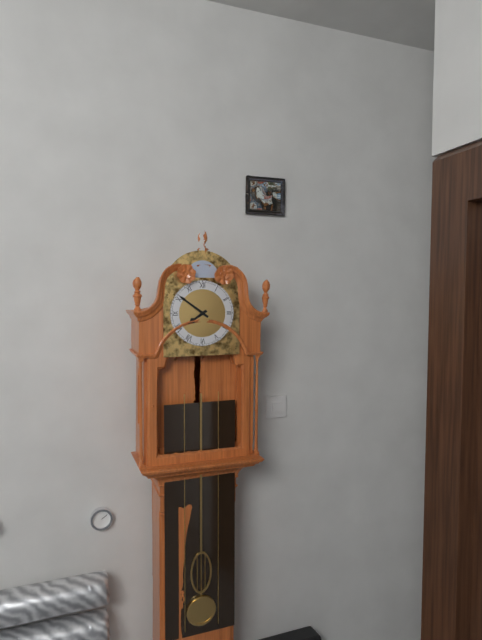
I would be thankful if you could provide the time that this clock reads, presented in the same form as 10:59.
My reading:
7:51
